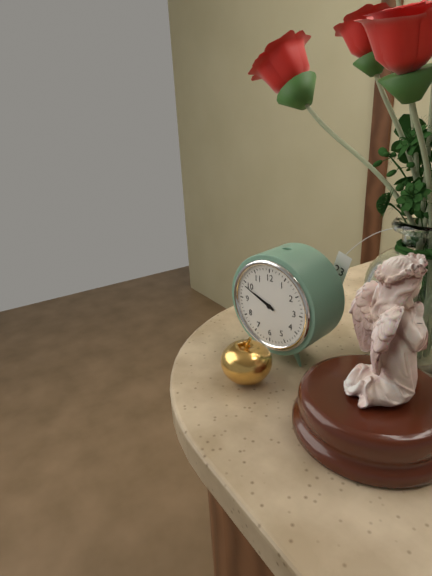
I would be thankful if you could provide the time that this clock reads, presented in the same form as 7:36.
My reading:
9:49
